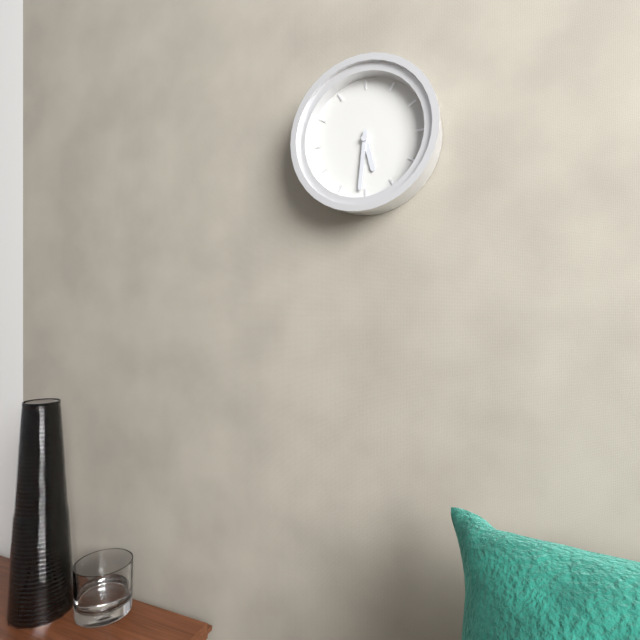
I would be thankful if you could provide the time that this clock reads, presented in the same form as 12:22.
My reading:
5:31
